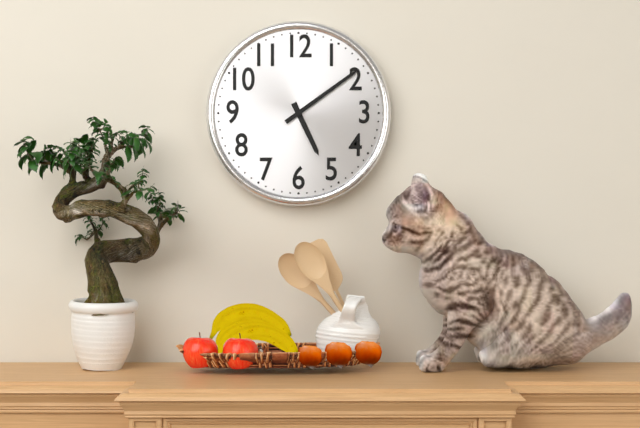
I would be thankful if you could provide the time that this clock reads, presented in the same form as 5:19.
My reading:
5:09
